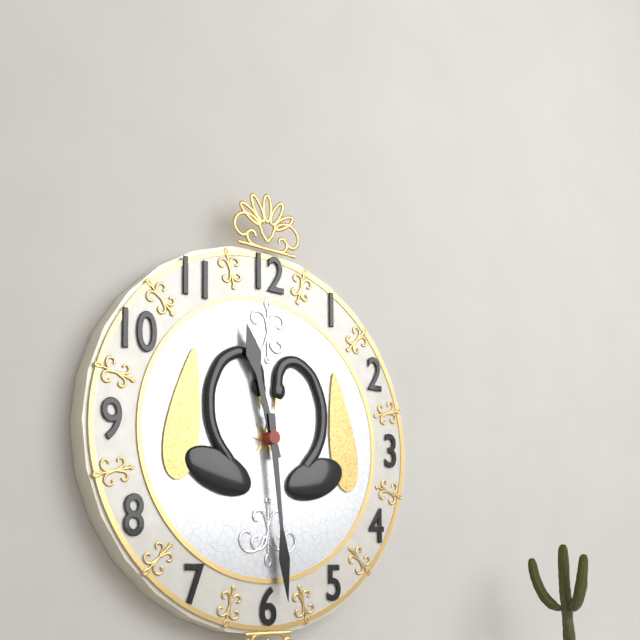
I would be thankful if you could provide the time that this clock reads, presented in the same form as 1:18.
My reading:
11:29
